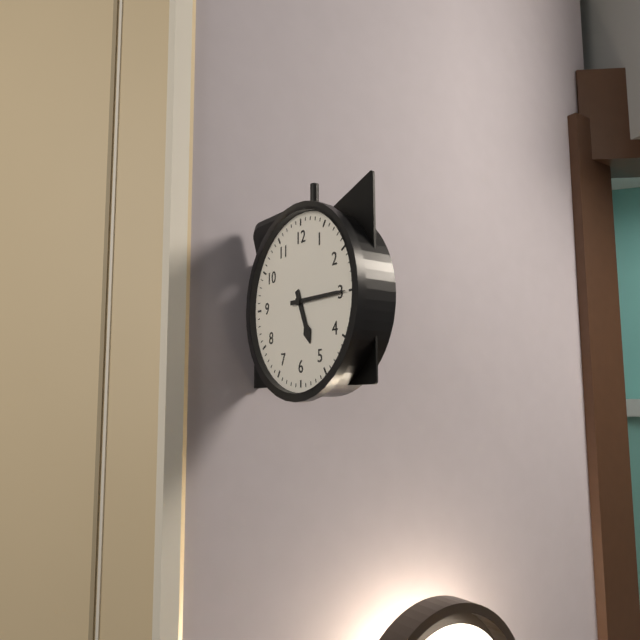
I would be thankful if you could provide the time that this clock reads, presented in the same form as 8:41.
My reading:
5:15
